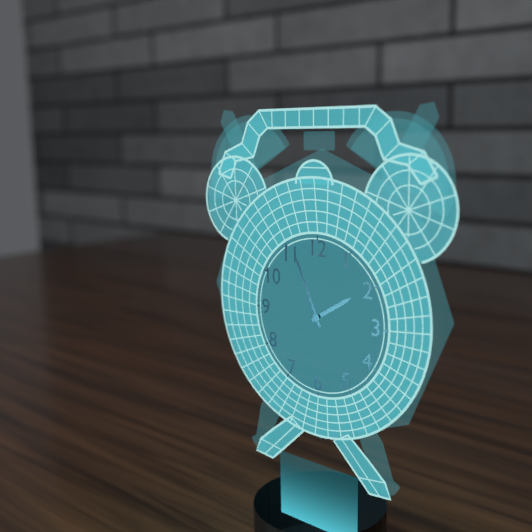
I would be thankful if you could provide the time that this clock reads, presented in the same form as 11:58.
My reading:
1:56
